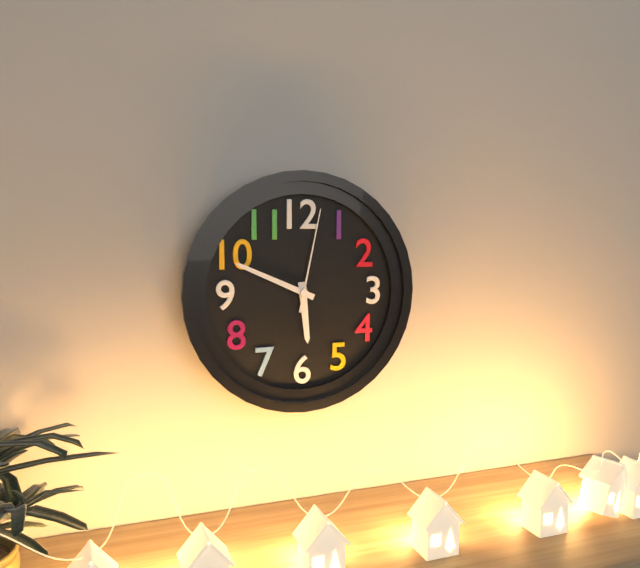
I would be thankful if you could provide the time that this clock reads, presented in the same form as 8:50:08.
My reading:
5:49:02
